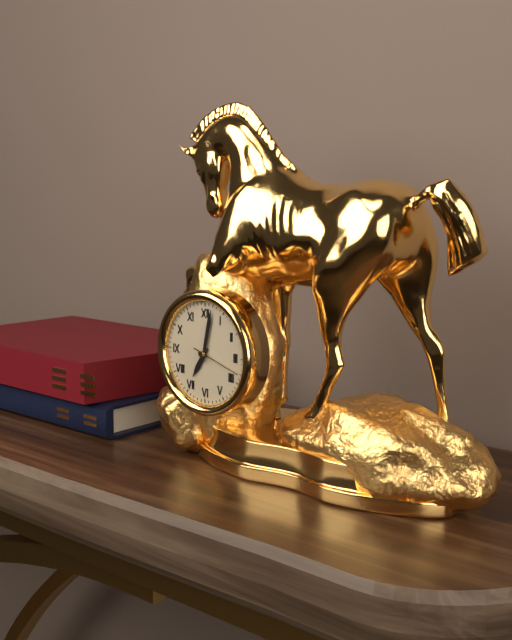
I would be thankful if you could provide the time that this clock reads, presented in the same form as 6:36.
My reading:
7:02
